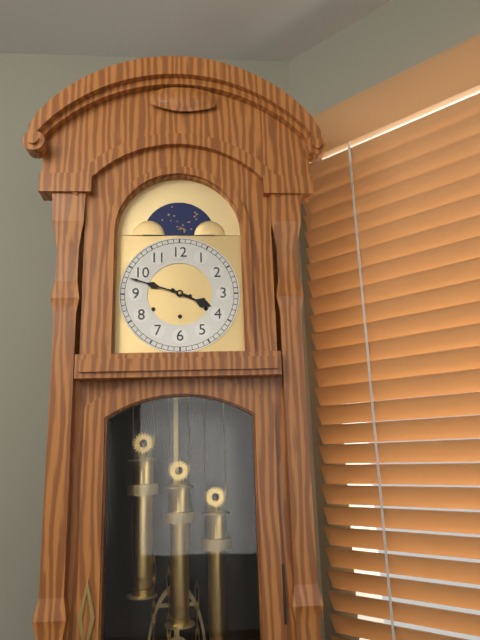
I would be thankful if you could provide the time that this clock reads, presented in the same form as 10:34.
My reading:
3:48
